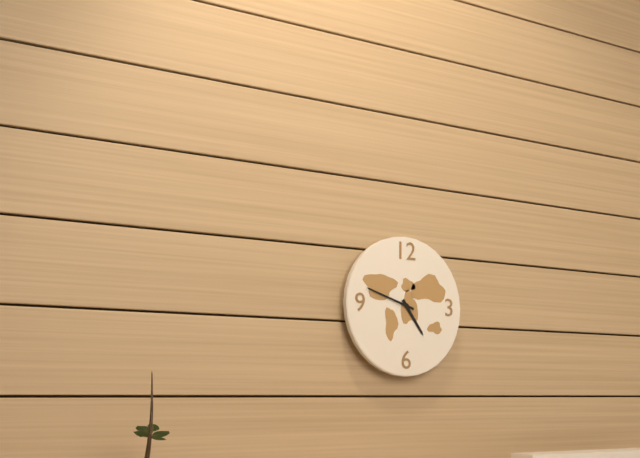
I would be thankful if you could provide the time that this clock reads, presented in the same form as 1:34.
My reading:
4:48
